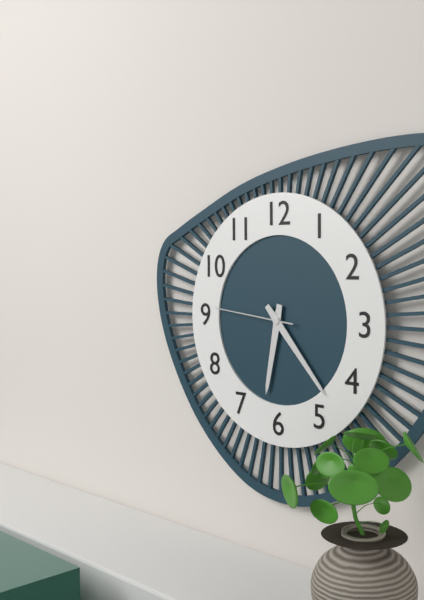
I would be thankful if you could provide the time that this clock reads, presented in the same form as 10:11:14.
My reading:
6:23:46
